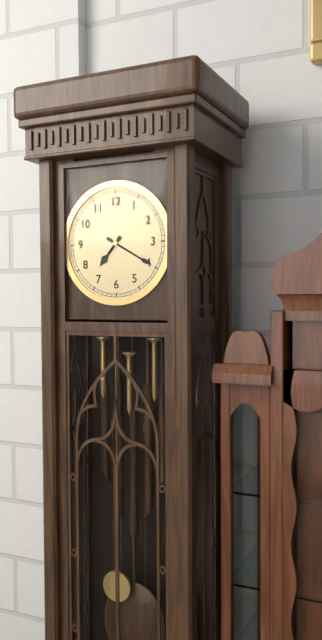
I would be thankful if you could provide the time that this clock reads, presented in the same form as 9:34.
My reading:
7:20
